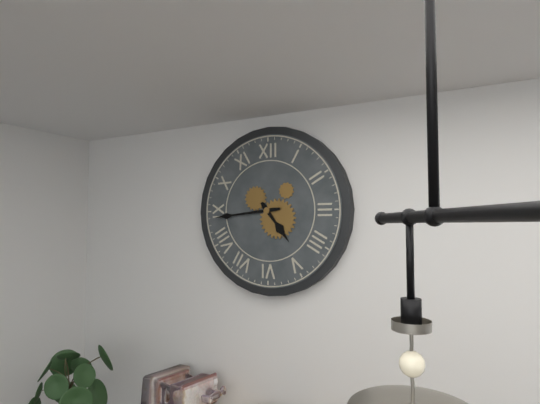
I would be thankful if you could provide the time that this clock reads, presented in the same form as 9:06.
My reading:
4:44
